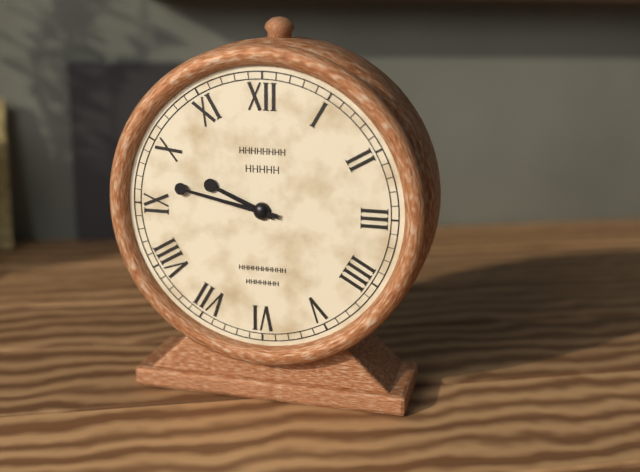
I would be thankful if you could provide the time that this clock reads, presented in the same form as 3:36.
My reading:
9:47
